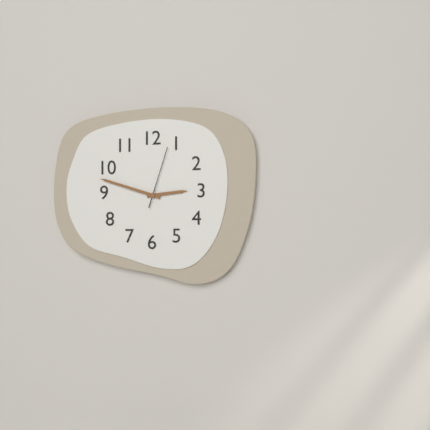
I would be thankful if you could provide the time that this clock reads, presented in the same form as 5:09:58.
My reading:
2:48:03
